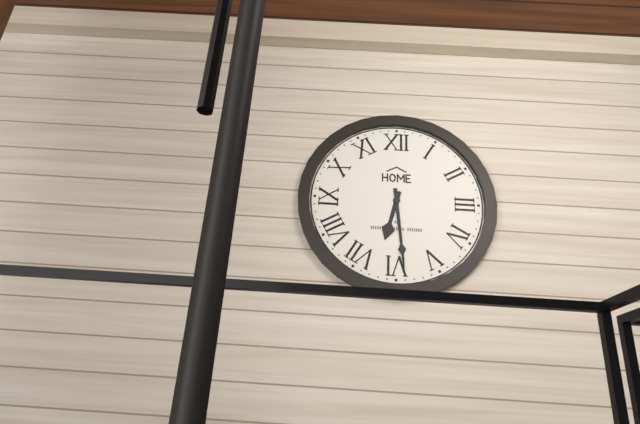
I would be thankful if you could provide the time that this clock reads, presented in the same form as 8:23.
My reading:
6:29
